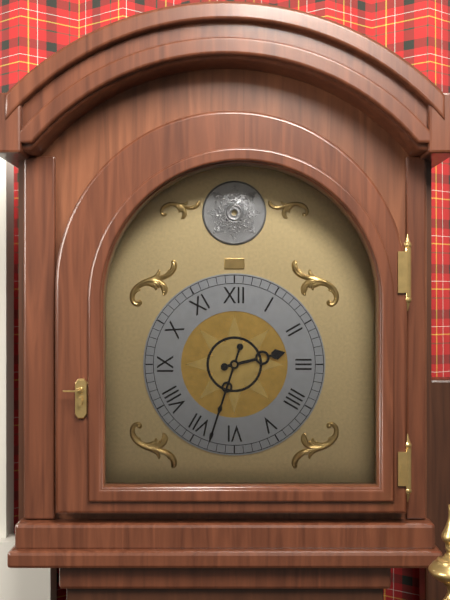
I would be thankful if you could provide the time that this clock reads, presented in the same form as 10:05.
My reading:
2:33
